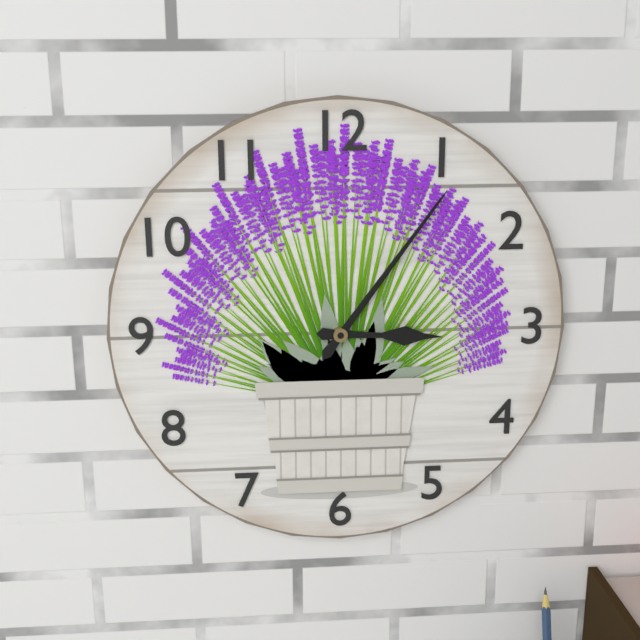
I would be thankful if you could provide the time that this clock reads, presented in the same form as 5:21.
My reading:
3:06
